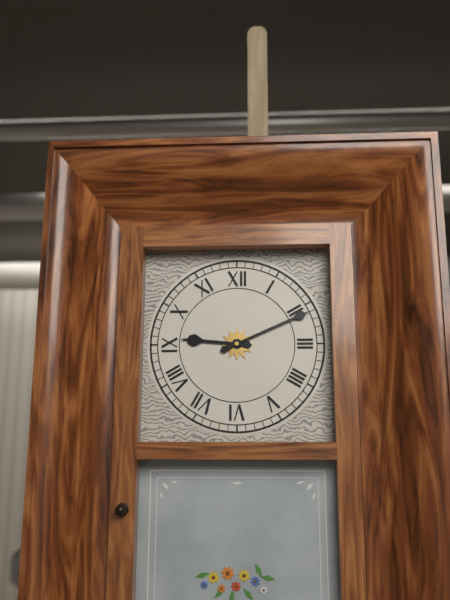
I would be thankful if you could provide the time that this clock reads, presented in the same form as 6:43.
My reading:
9:11
